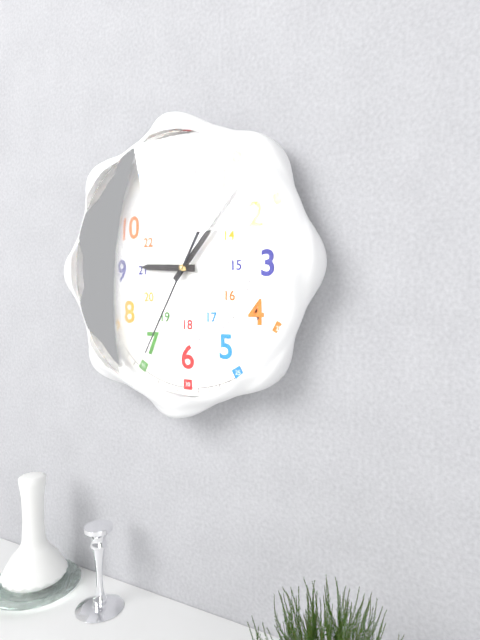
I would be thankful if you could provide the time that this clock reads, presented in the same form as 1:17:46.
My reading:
9:07:35
